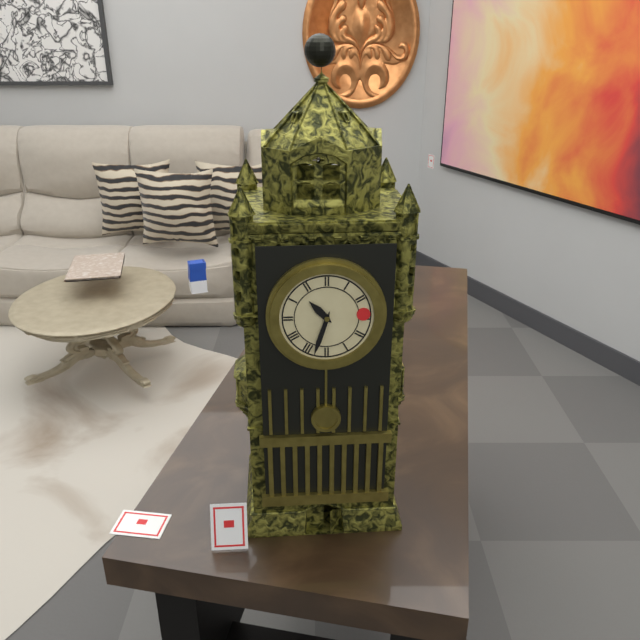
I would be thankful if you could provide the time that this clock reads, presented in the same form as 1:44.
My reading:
10:33
